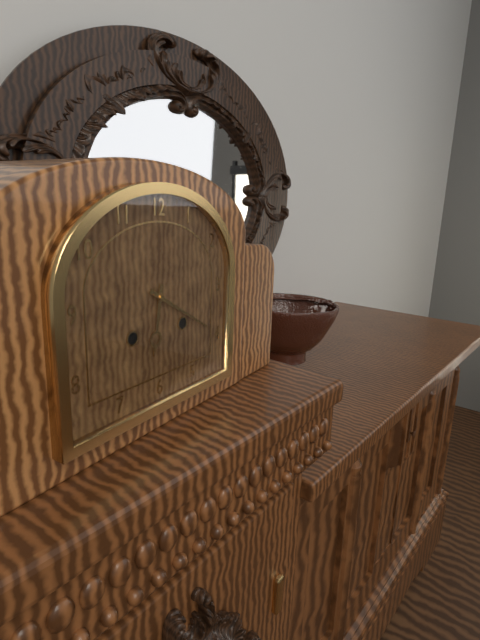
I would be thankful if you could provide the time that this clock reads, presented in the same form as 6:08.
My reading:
6:20
